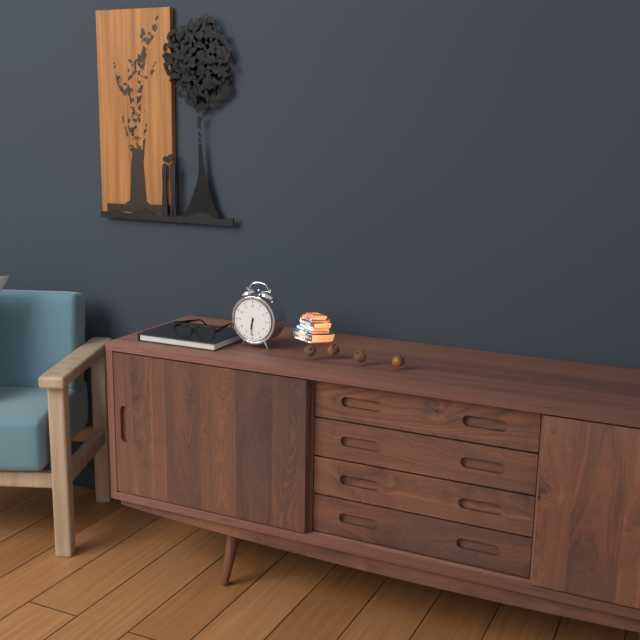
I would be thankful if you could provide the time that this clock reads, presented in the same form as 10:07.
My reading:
6:31
